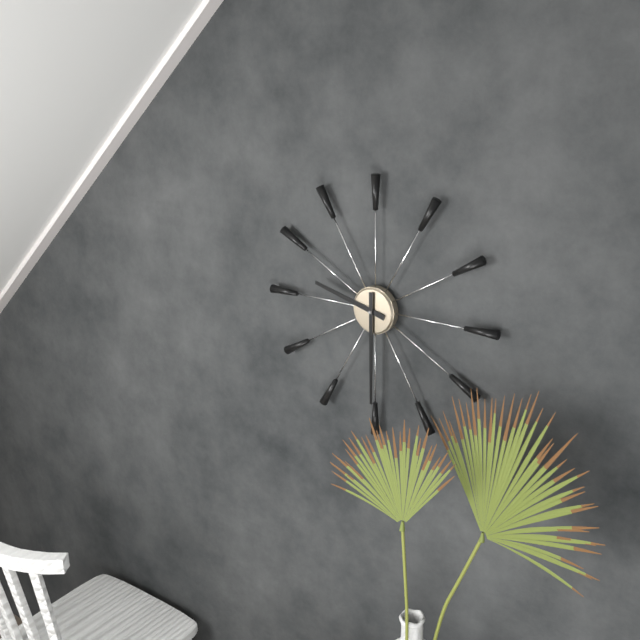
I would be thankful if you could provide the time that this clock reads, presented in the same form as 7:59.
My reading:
9:30
